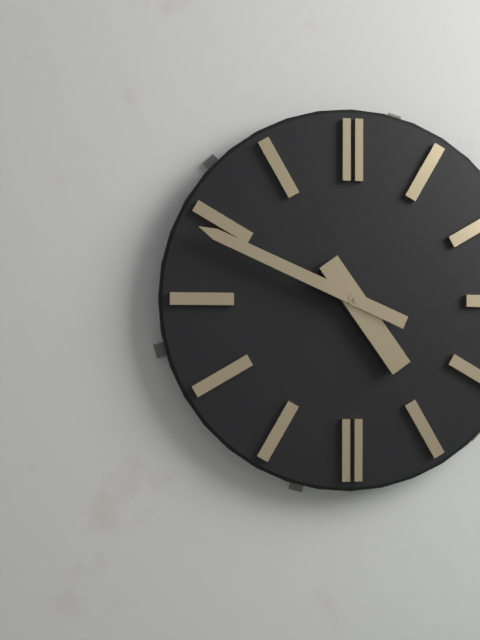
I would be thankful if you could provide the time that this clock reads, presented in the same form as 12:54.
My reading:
4:49
